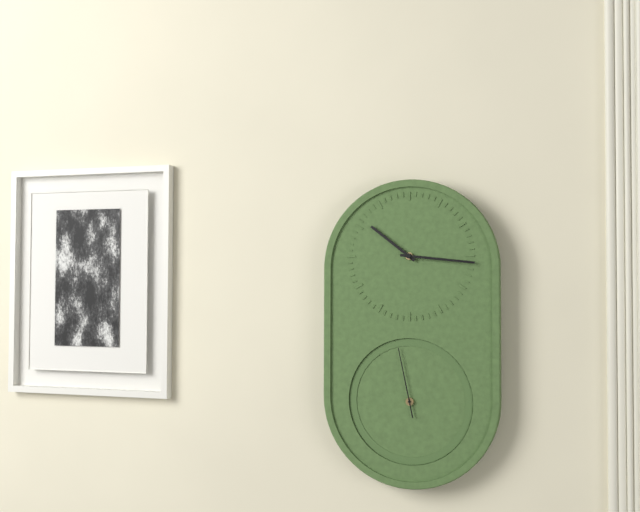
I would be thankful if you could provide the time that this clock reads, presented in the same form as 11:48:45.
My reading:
10:16:58
